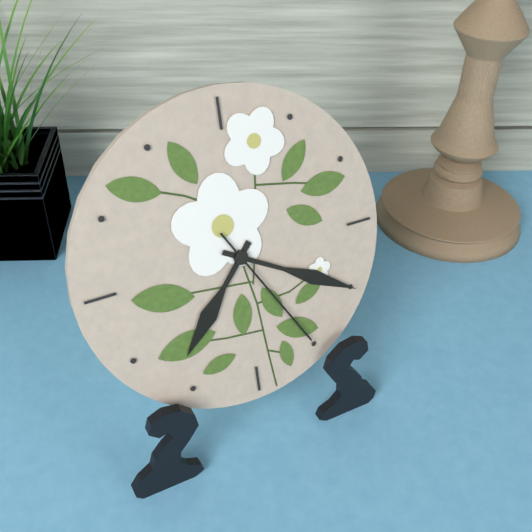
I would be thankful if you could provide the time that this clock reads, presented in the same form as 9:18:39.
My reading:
7:20:25
